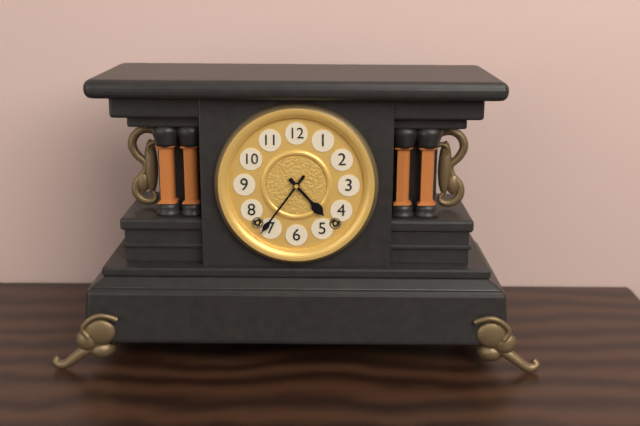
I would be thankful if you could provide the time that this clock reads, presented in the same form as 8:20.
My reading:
4:36
